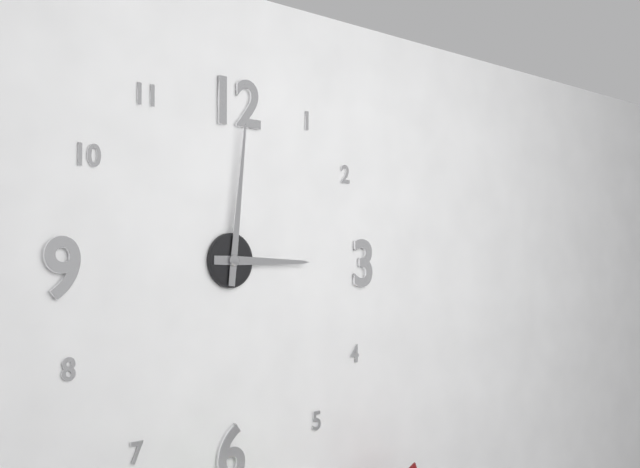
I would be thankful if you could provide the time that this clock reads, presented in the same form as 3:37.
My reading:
3:01
